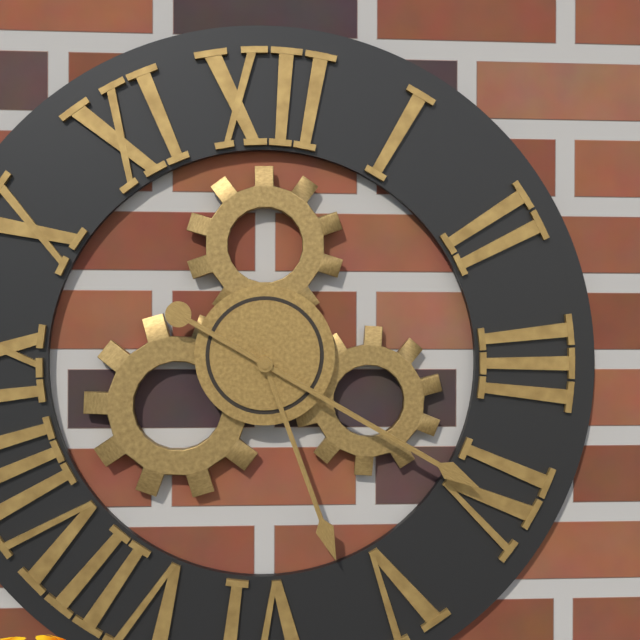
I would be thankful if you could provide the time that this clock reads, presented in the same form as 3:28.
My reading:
5:20
